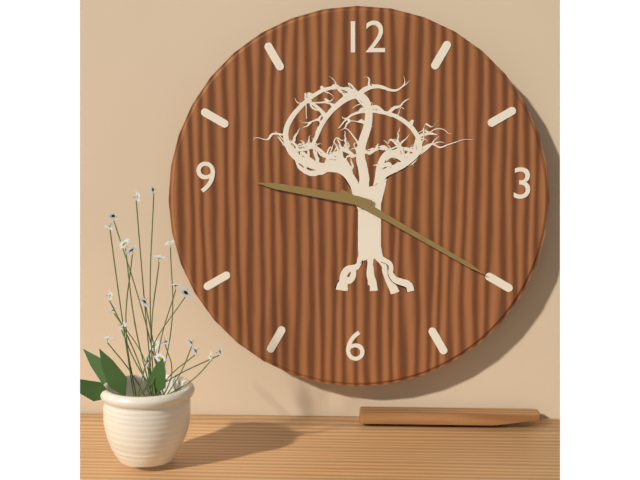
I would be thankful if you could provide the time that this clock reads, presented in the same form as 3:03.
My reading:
9:20
